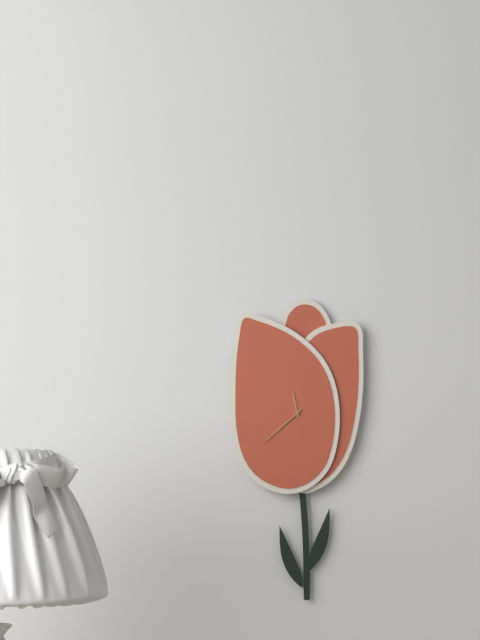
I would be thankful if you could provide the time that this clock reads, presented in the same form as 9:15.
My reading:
11:38
